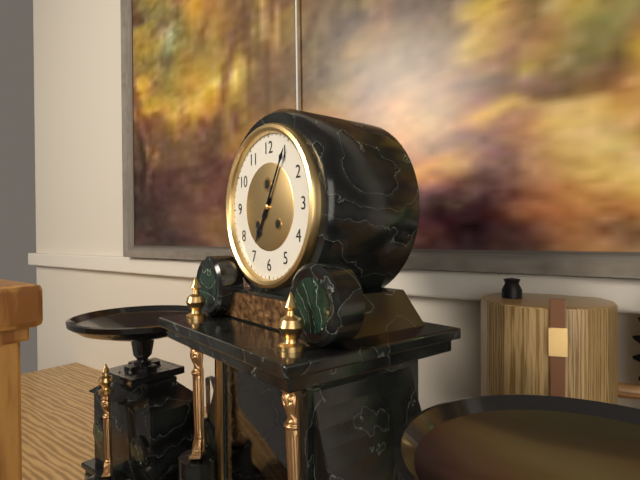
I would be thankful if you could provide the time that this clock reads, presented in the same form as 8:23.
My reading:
7:05
